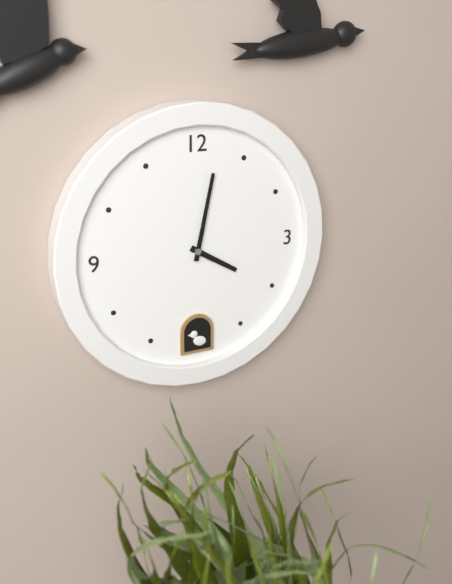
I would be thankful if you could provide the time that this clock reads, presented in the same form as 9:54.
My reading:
4:02
